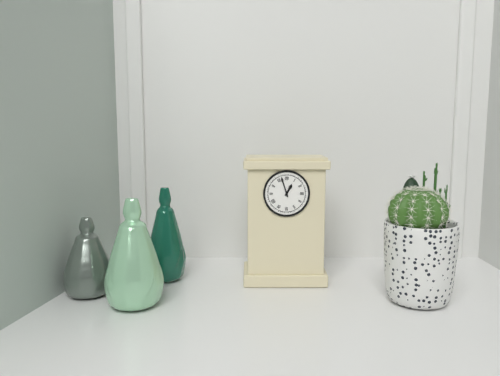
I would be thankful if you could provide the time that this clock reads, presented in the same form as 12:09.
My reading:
12:57
